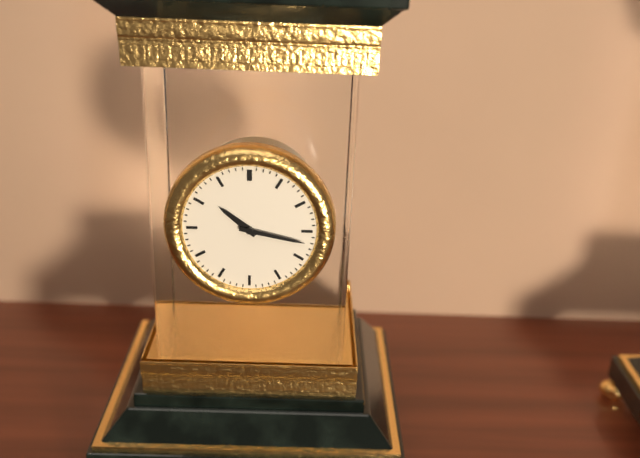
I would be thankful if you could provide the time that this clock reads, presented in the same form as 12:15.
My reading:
10:17
